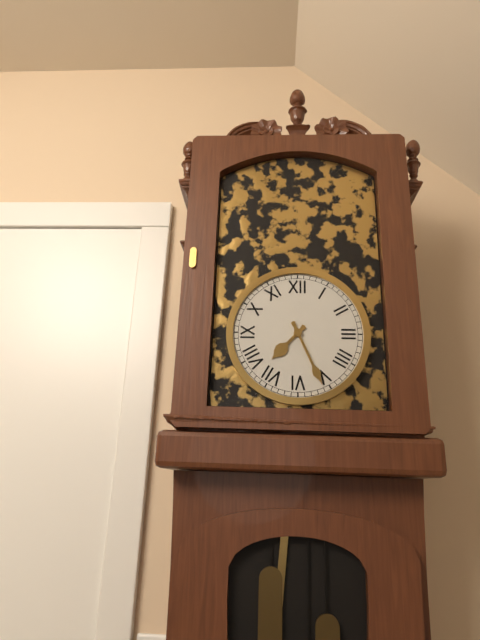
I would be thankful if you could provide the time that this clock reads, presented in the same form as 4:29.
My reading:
7:26
